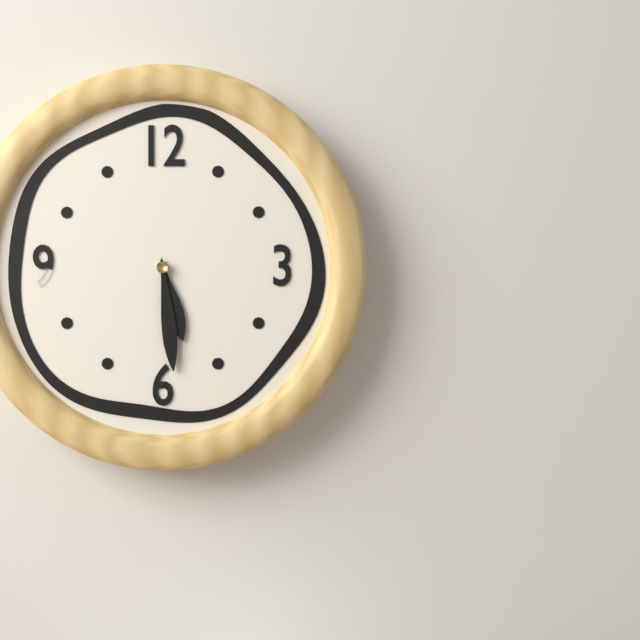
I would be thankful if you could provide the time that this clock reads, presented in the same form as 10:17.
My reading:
5:29
